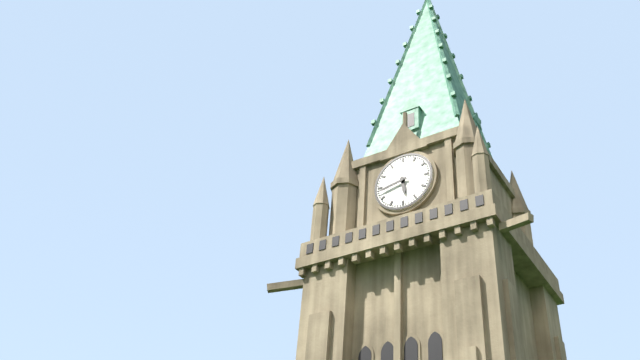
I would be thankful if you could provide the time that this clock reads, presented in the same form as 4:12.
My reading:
5:43
